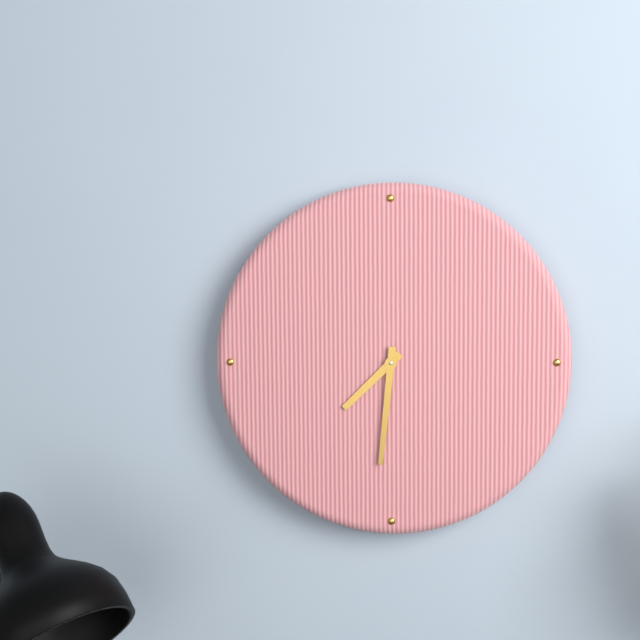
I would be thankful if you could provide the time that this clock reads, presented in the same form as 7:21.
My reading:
7:31
